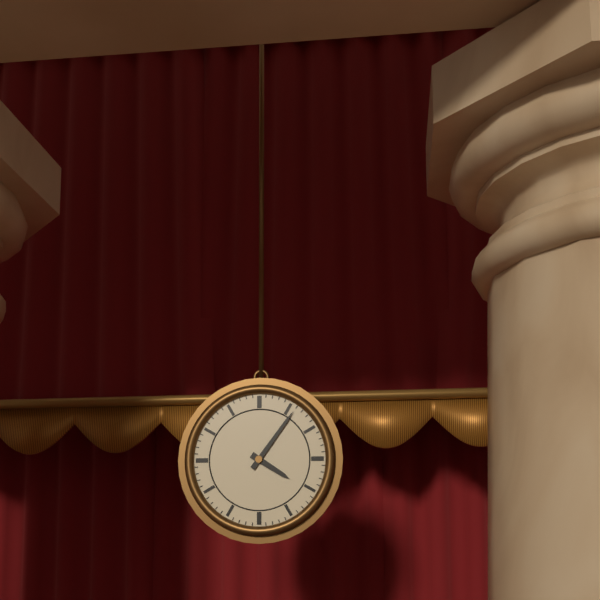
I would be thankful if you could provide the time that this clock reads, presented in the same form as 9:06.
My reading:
4:06
